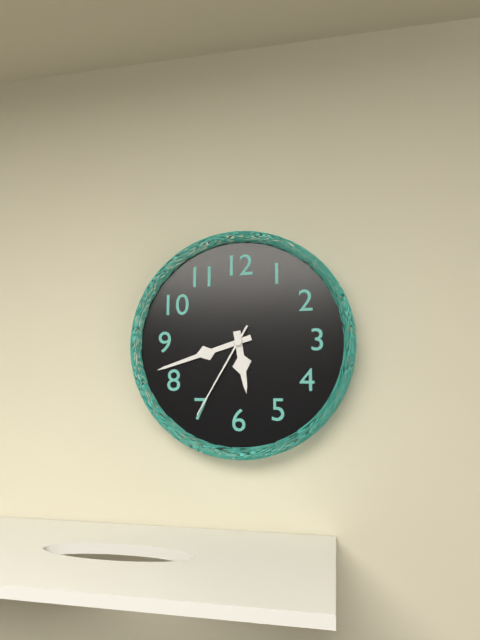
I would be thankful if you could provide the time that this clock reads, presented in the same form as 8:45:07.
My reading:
5:42:35
